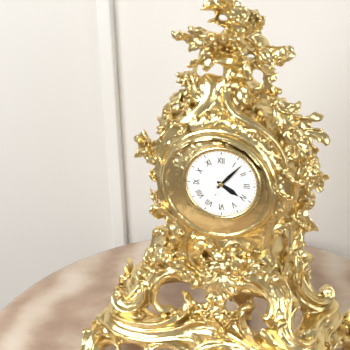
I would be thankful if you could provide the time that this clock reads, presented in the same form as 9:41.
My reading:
4:07
